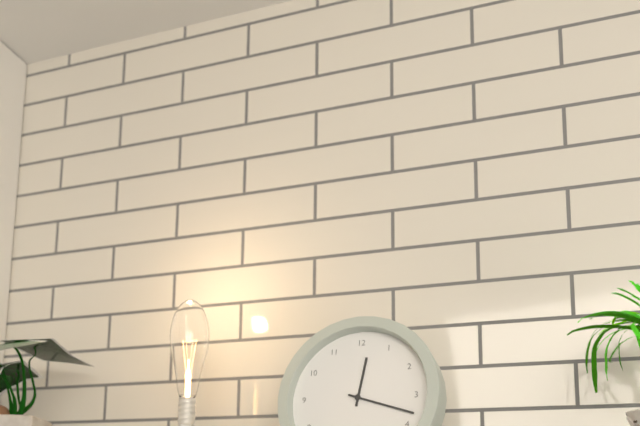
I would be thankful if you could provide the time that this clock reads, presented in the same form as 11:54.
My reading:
12:18
